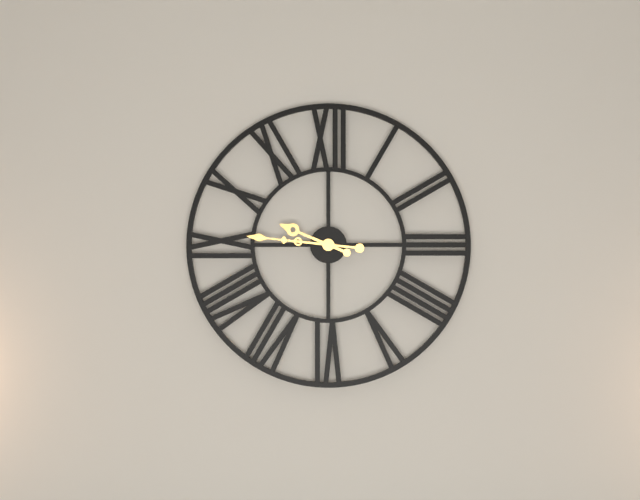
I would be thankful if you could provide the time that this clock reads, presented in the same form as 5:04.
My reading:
9:46
